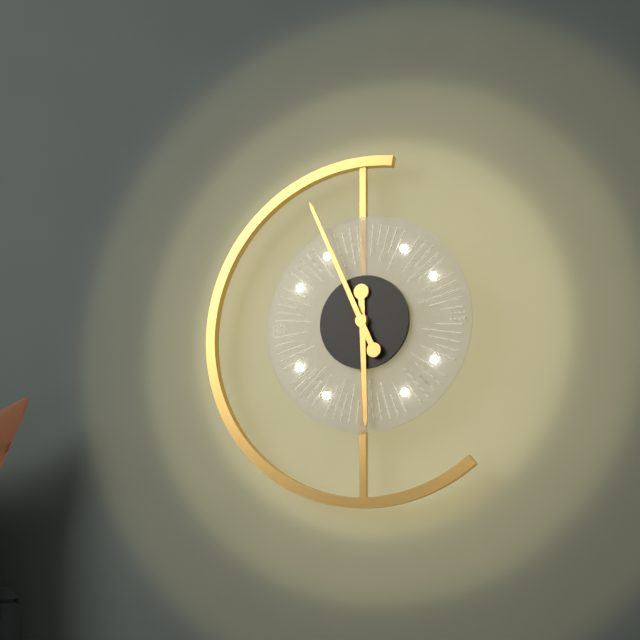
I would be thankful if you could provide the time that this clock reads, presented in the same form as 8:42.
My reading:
5:56
